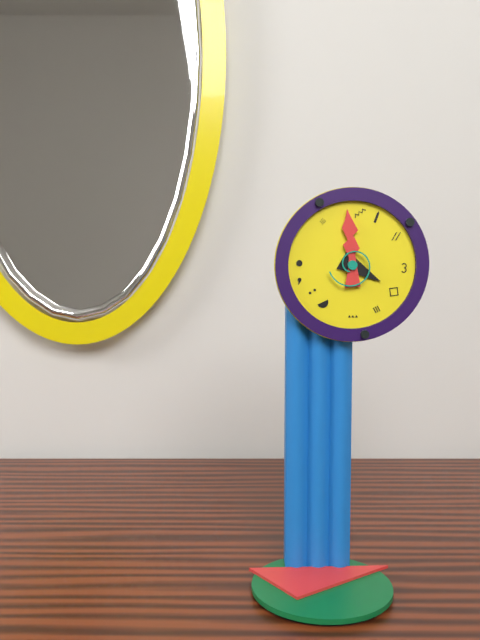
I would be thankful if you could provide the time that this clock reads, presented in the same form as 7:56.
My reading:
3:59
